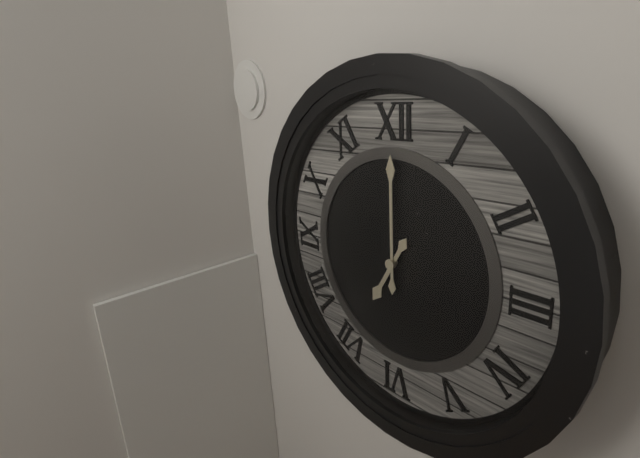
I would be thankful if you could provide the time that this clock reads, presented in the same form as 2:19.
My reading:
7:00
